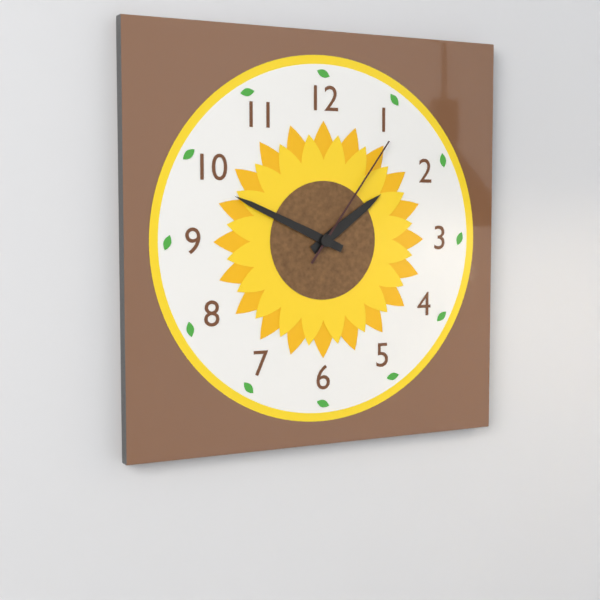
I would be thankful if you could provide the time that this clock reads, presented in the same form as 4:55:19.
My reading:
1:49:06
